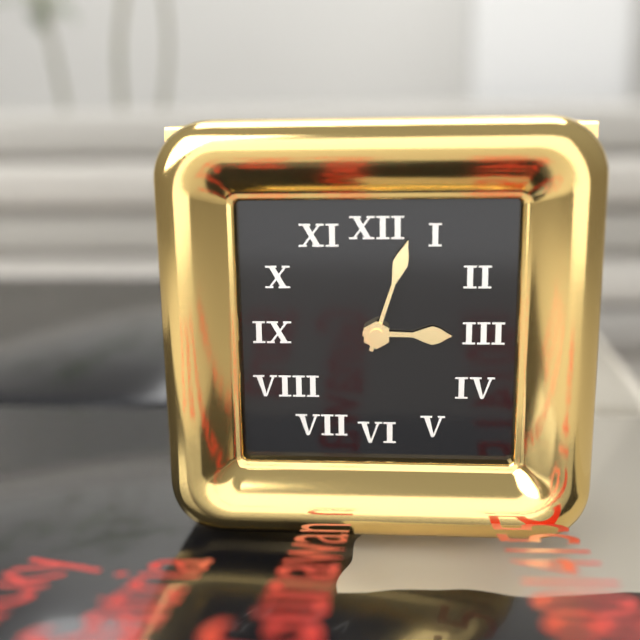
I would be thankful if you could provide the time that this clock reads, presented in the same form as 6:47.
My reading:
3:03
